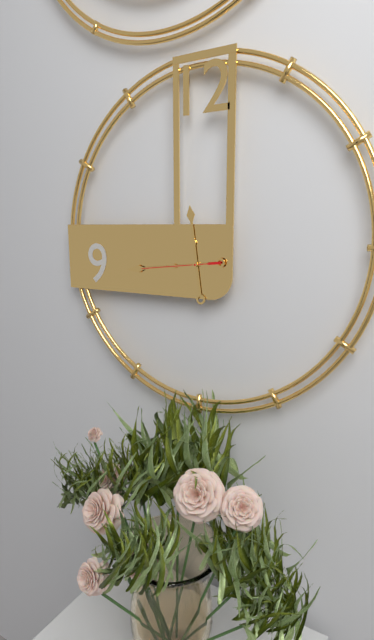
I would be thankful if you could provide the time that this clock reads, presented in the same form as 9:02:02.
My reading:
11:44:44
